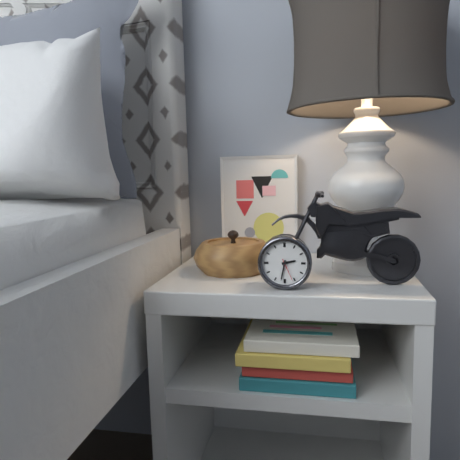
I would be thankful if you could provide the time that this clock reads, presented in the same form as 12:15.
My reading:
2:32
